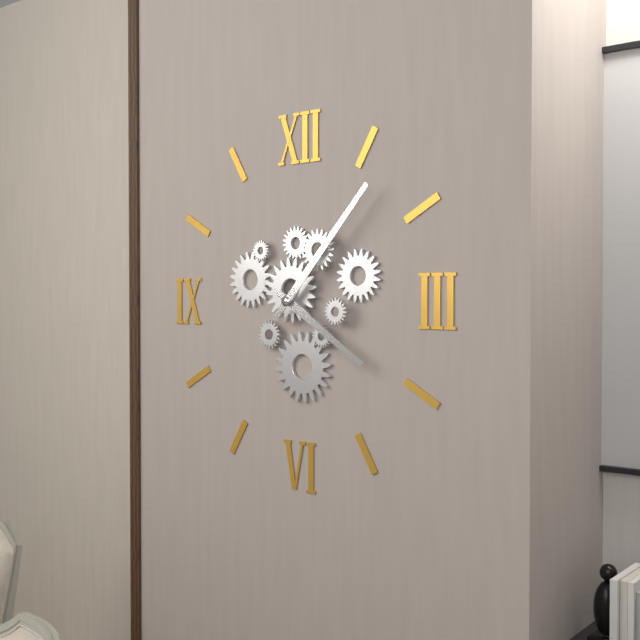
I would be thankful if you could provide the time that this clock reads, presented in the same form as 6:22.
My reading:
4:07
